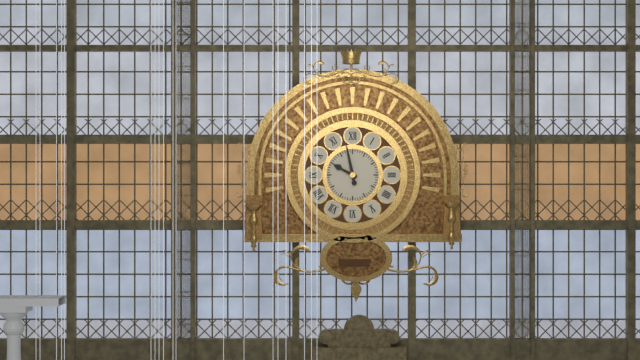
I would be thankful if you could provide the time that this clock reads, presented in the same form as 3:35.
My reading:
9:58
